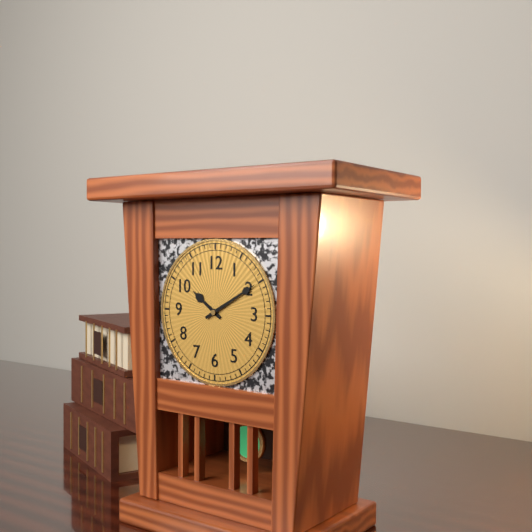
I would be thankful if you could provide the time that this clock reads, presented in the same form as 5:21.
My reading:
10:10
